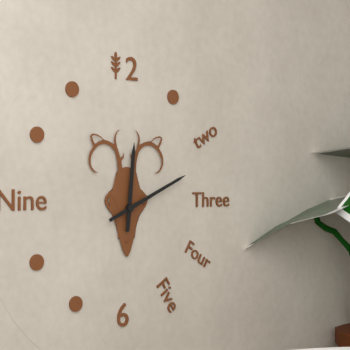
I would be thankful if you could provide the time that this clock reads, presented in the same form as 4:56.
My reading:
12:11
